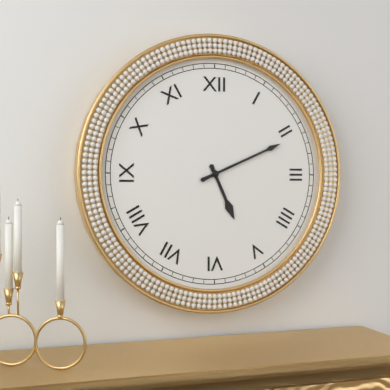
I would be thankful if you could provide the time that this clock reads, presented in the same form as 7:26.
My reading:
5:11
